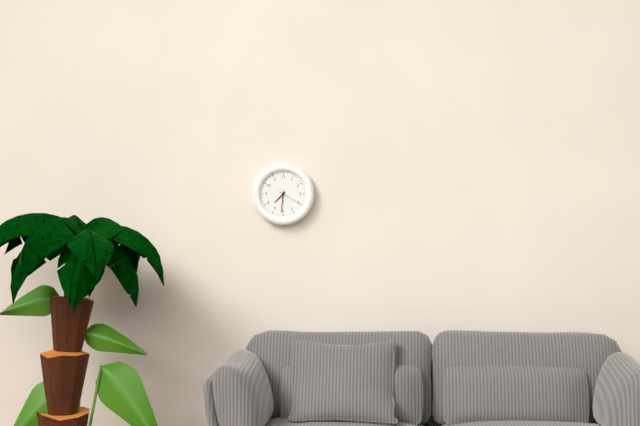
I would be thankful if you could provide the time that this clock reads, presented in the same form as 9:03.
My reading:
7:31
